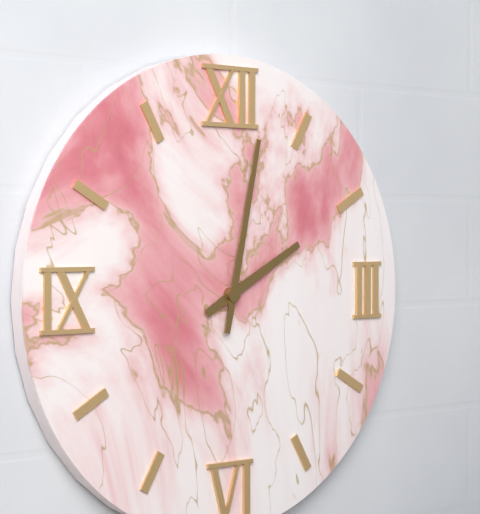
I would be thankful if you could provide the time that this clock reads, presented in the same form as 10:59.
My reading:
2:02
